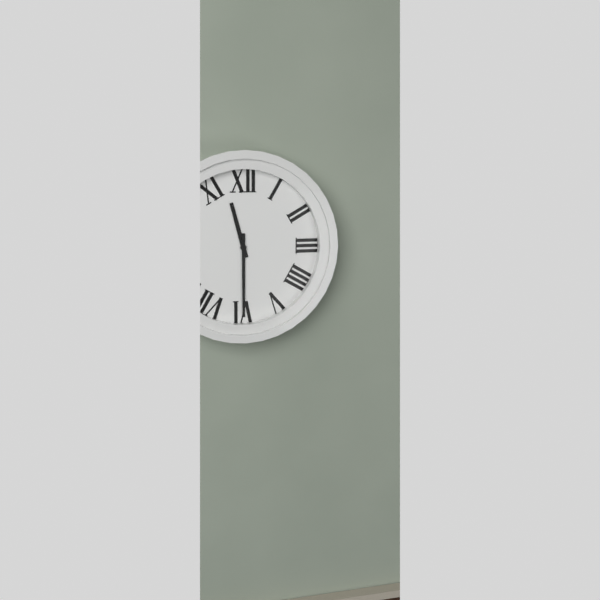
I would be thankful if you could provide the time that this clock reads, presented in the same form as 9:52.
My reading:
11:30
